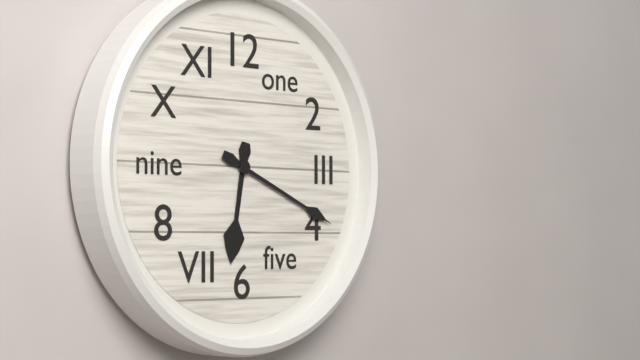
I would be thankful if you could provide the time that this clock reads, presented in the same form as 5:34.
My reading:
6:19
